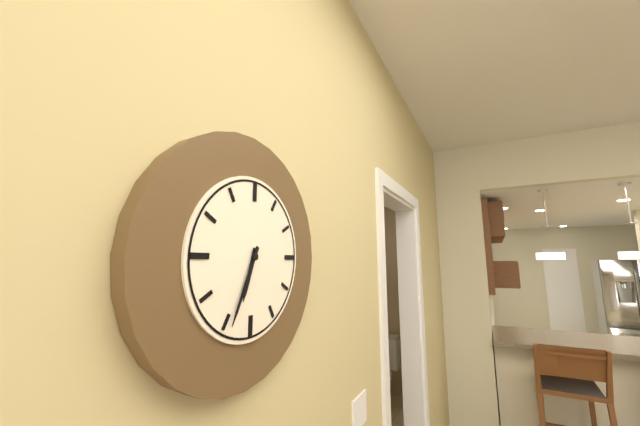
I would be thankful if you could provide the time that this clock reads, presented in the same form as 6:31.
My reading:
6:34
